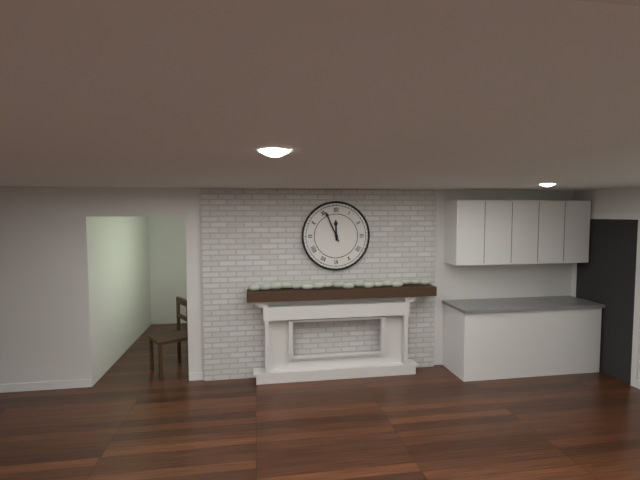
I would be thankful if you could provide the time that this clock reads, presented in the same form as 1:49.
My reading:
11:56
